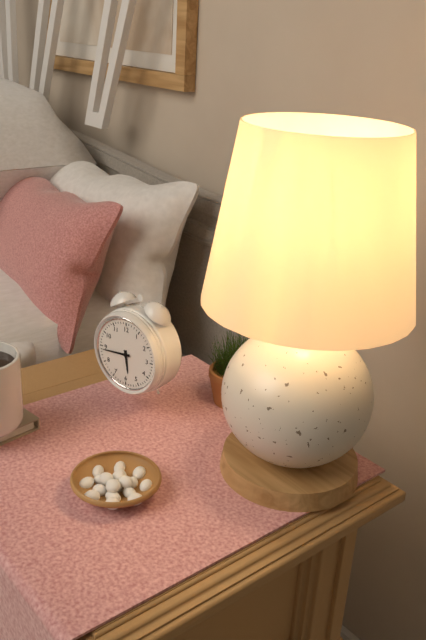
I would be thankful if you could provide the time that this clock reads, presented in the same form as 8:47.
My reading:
5:44
